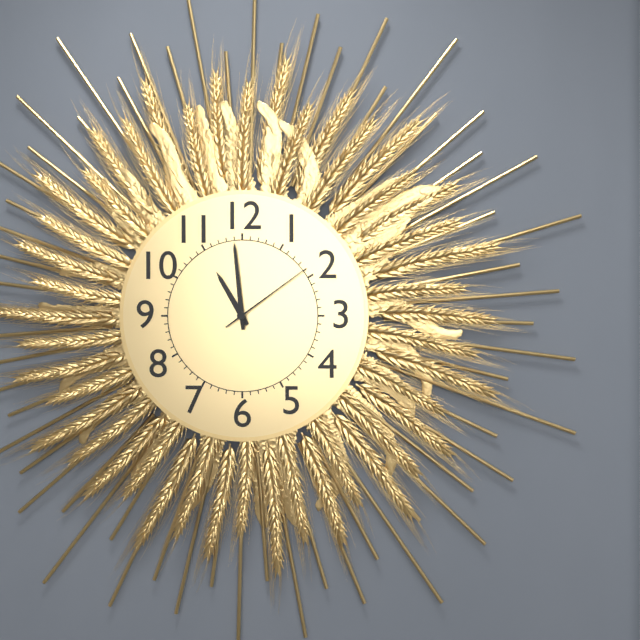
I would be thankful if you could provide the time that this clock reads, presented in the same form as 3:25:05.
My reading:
10:59:09
